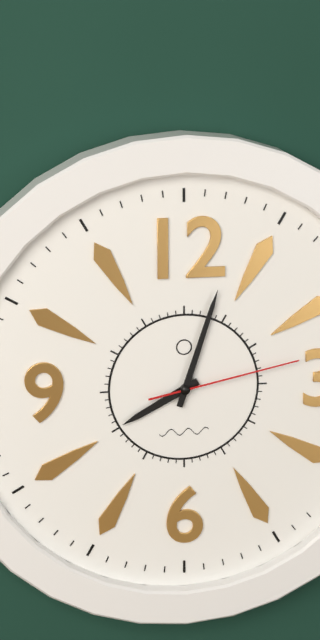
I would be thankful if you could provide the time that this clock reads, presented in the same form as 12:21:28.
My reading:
8:03:13
